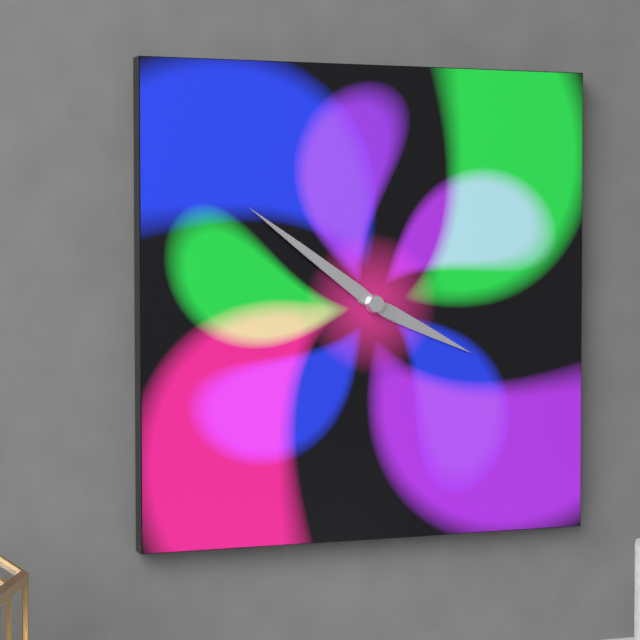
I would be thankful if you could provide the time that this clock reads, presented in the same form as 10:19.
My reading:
3:51
